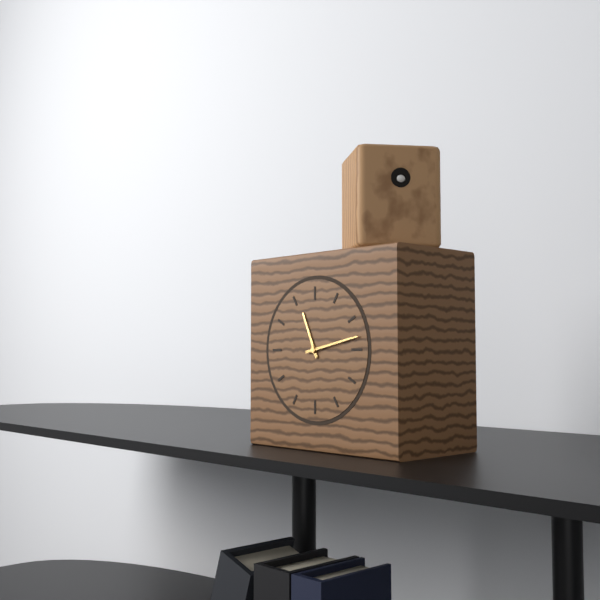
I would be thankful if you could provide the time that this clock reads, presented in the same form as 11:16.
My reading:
11:13
